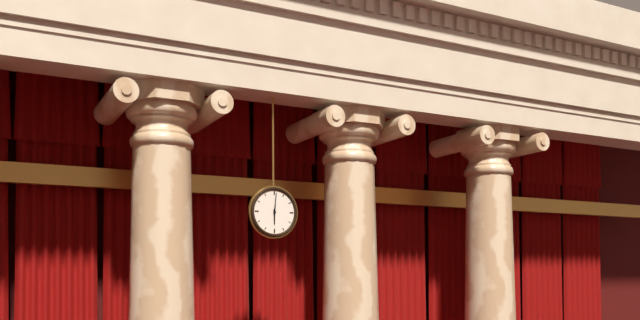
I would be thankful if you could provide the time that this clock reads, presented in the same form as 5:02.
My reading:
6:01
